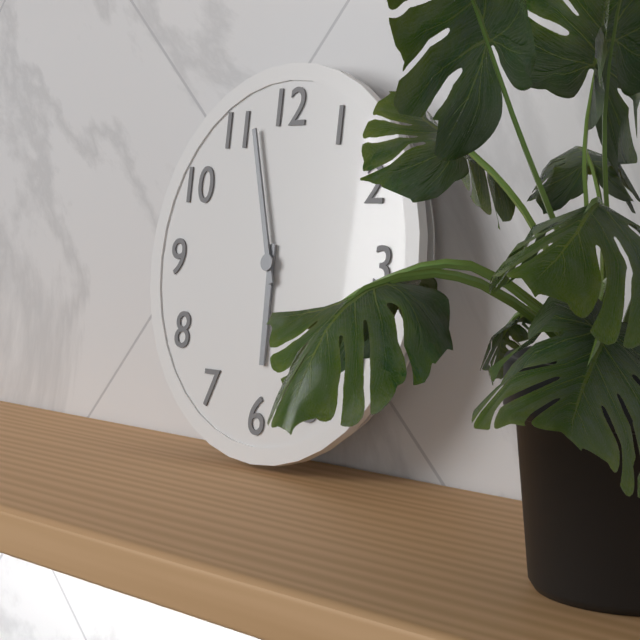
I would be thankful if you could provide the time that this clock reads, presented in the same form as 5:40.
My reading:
5:57
